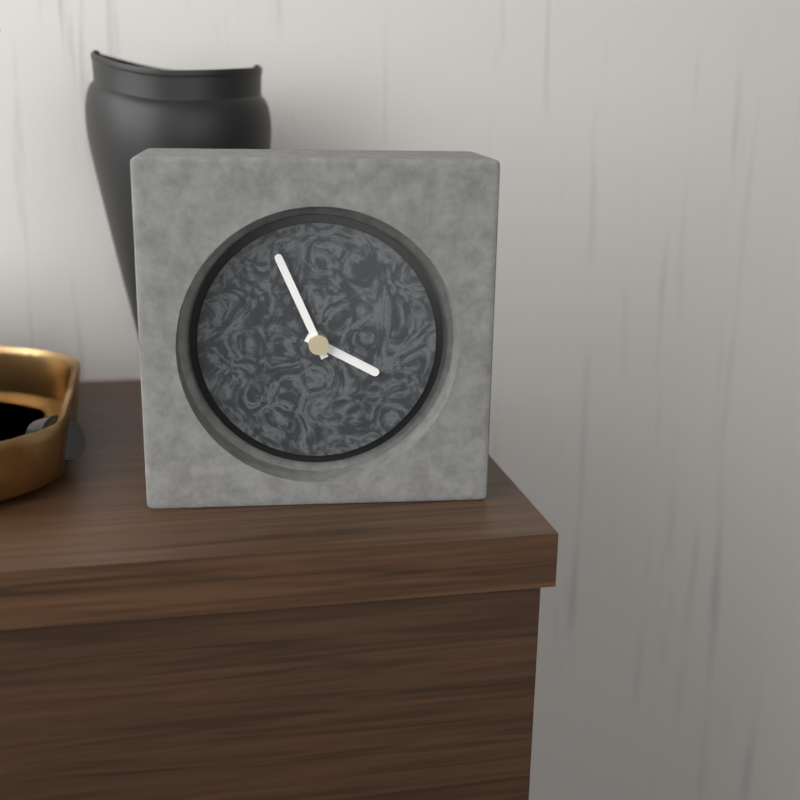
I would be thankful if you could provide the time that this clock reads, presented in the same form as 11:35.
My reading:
3:56
